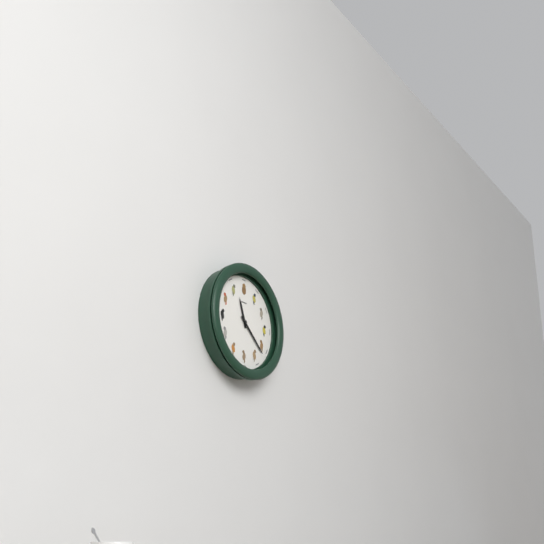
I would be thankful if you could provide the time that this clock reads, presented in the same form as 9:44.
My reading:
11:22
